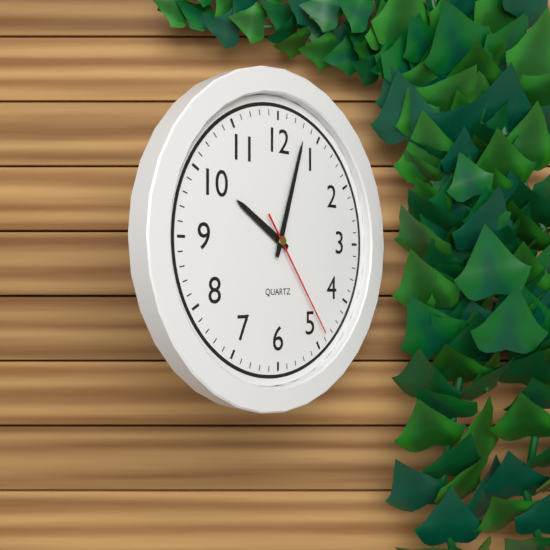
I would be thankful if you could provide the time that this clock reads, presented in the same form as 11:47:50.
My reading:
10:03:24
